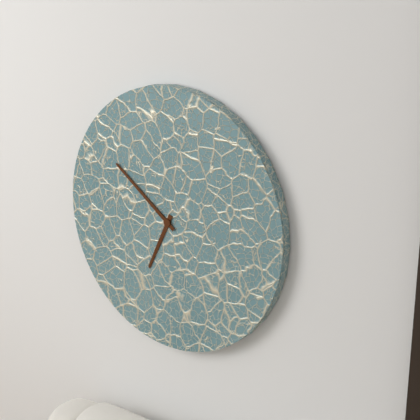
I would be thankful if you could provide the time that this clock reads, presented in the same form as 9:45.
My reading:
6:51
